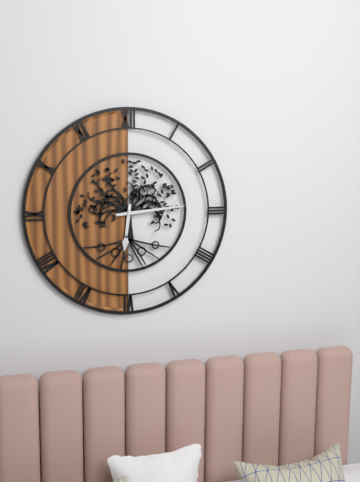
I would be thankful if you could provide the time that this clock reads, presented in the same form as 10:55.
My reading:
6:14
